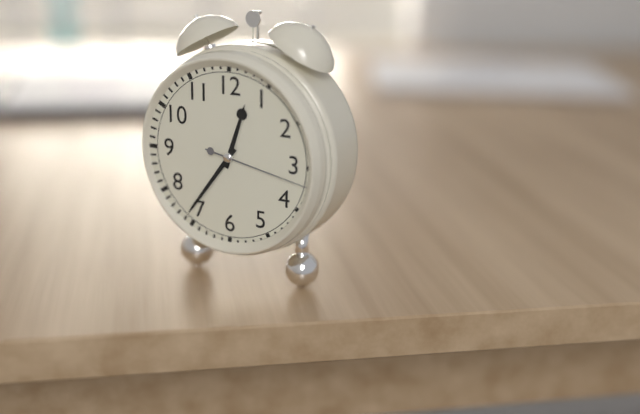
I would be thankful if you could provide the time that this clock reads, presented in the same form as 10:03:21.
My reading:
12:36:17
